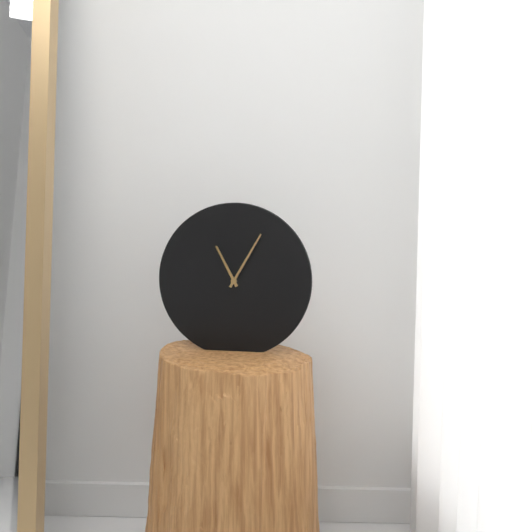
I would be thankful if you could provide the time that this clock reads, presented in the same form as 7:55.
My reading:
11:05
